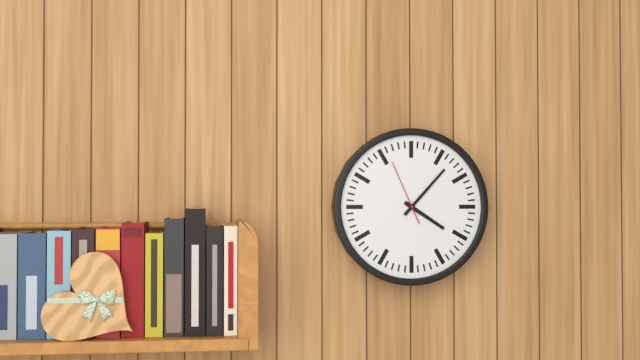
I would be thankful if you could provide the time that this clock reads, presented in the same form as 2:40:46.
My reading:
4:07:56
